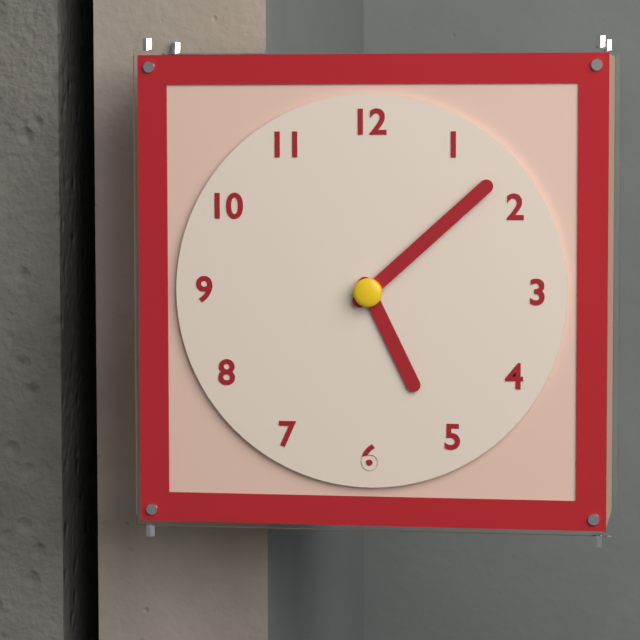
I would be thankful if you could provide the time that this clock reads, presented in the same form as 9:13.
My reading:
5:08
